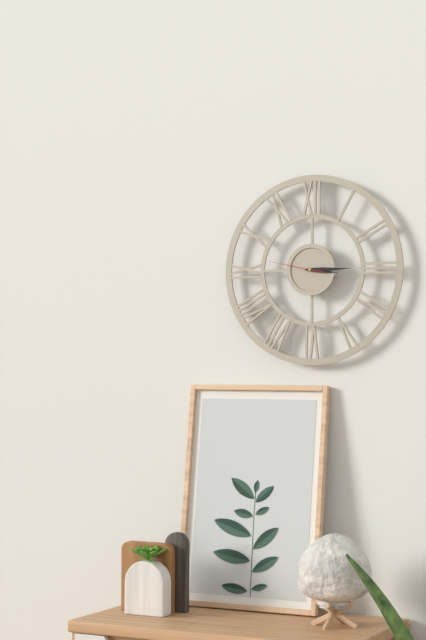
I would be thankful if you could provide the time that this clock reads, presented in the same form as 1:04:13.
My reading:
3:15:47
